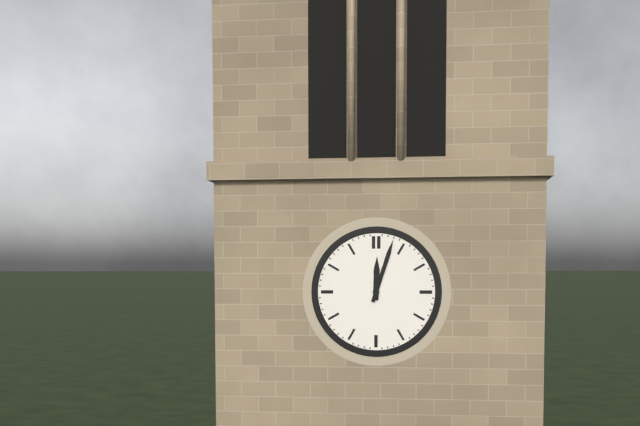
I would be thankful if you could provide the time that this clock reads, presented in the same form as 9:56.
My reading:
12:03
